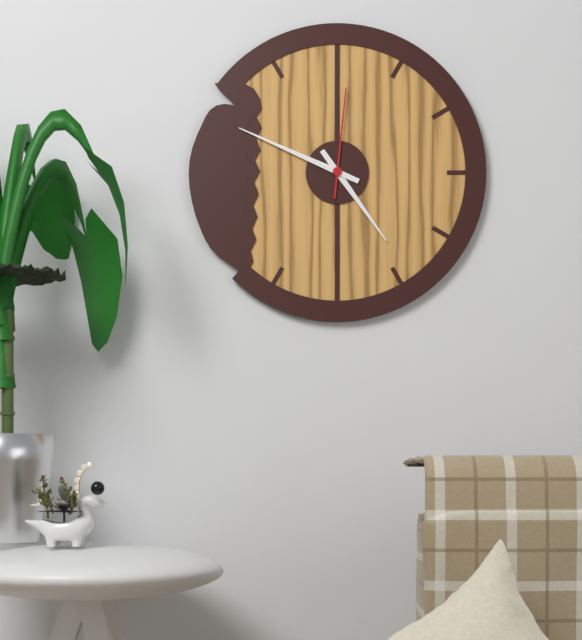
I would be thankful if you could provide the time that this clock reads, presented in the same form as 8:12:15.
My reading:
4:49:01
